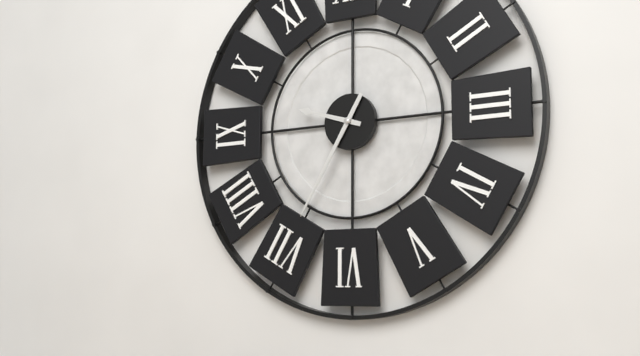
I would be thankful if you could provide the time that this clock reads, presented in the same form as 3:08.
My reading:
9:35
